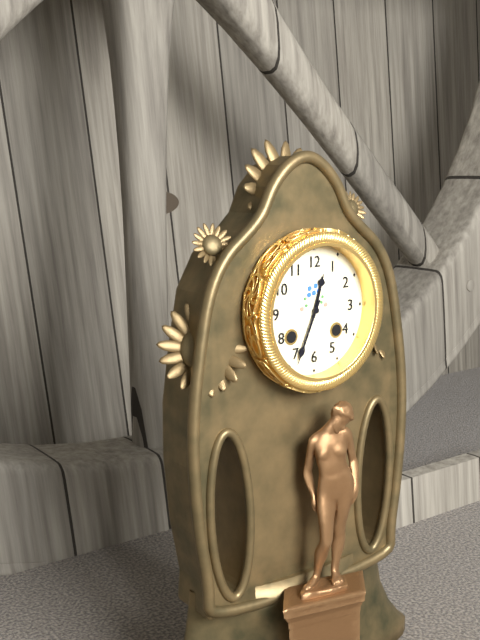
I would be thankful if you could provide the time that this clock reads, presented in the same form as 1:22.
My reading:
12:34
